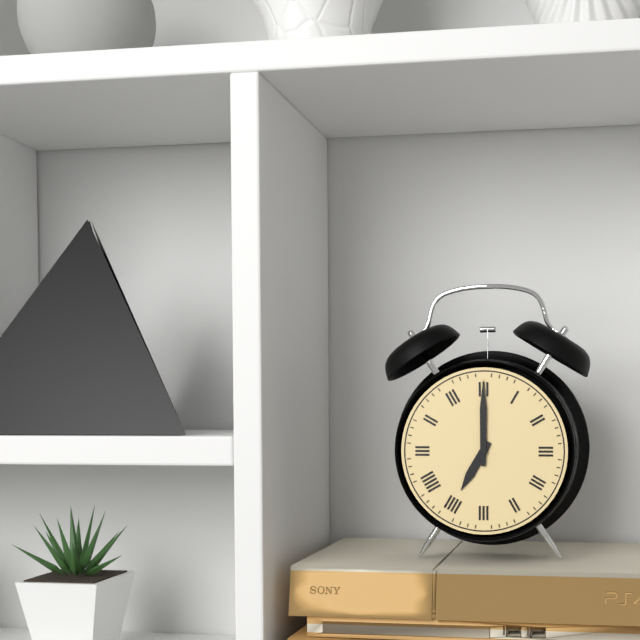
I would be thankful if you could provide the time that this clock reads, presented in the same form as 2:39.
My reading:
7:00
